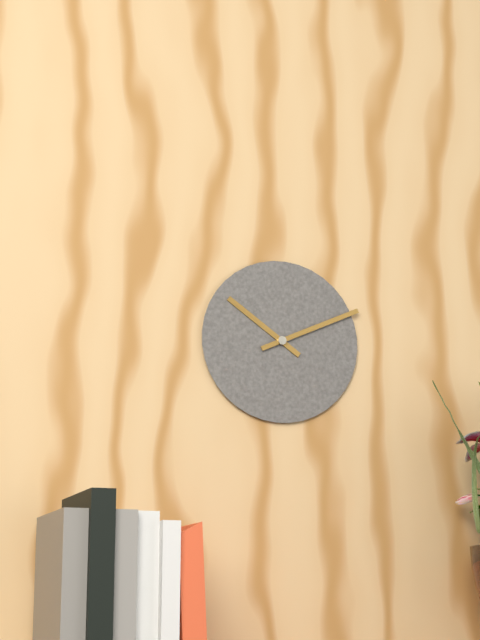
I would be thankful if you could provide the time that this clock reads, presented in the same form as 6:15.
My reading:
10:11
